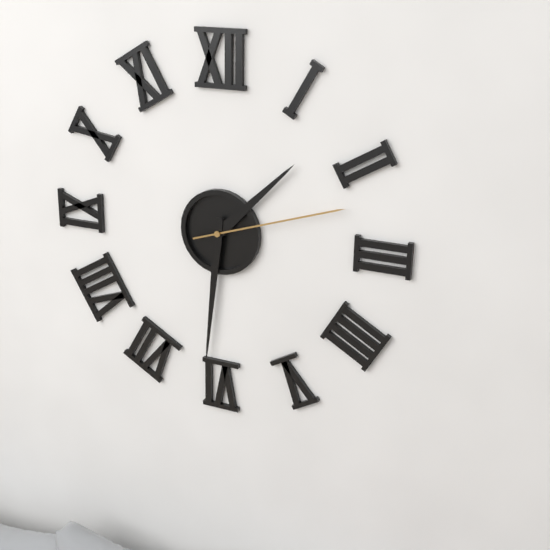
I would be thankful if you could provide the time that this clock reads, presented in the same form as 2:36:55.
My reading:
1:31:12
